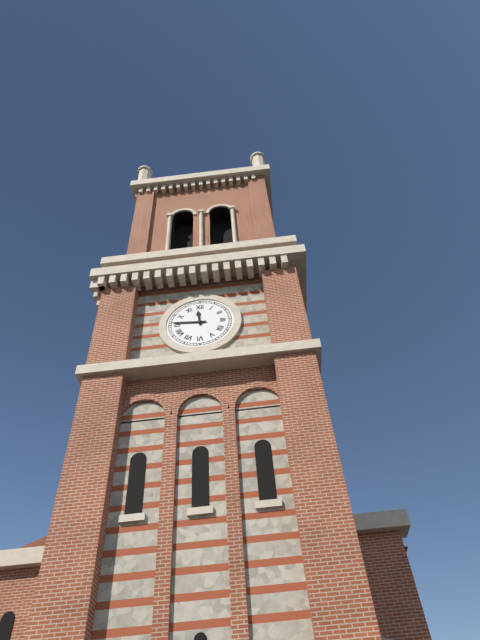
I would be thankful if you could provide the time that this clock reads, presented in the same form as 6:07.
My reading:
11:46
